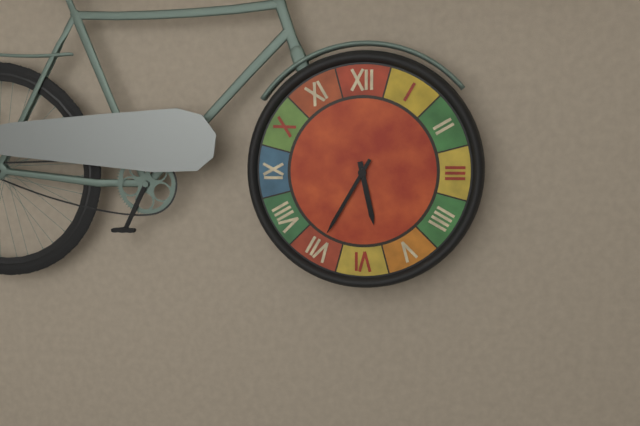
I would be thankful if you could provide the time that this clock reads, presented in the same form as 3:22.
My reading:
5:35
